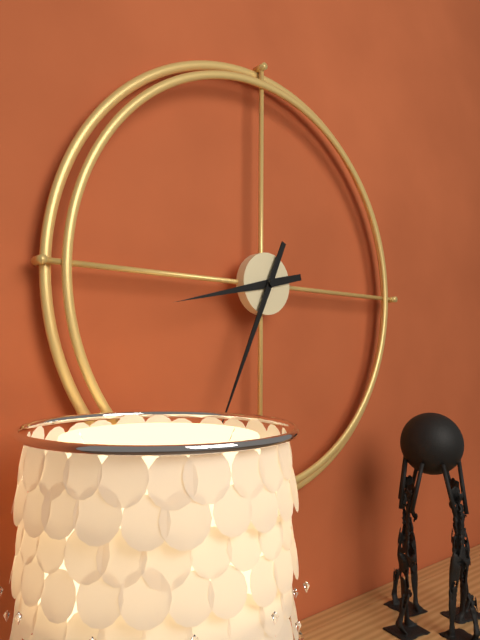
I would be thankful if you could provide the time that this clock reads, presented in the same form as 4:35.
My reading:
8:34
